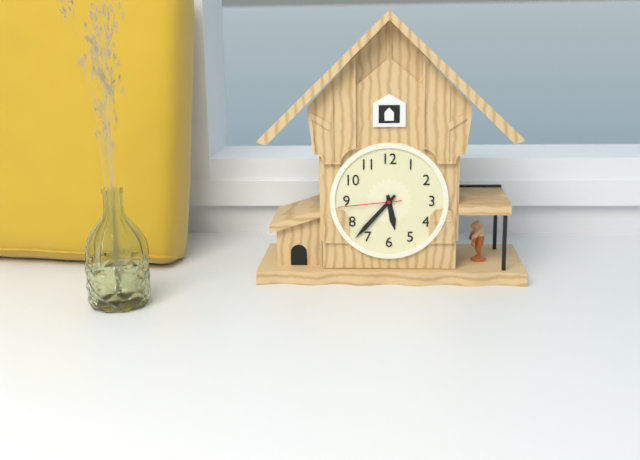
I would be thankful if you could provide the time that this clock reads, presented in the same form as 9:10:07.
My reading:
5:37:44
